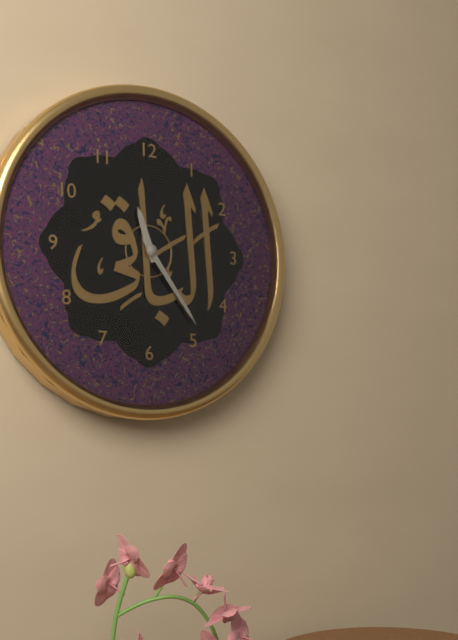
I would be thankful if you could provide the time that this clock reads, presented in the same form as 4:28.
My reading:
11:24
